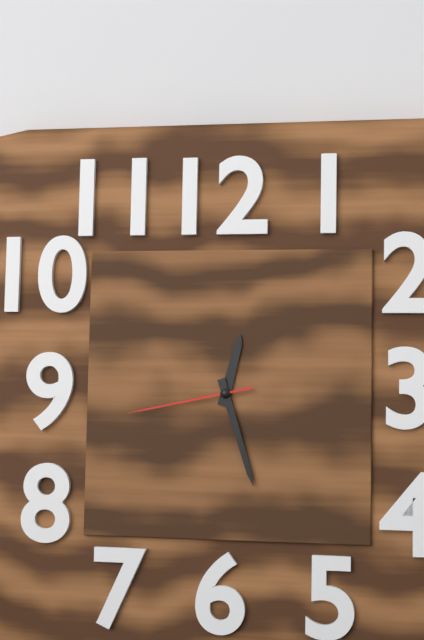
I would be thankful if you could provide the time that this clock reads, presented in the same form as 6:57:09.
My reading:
12:27:43
